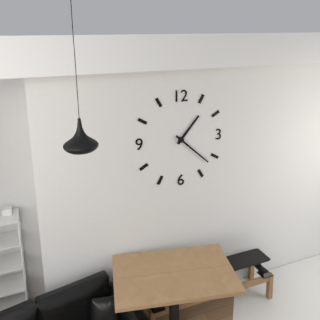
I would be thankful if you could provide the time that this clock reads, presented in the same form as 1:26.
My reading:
1:22
